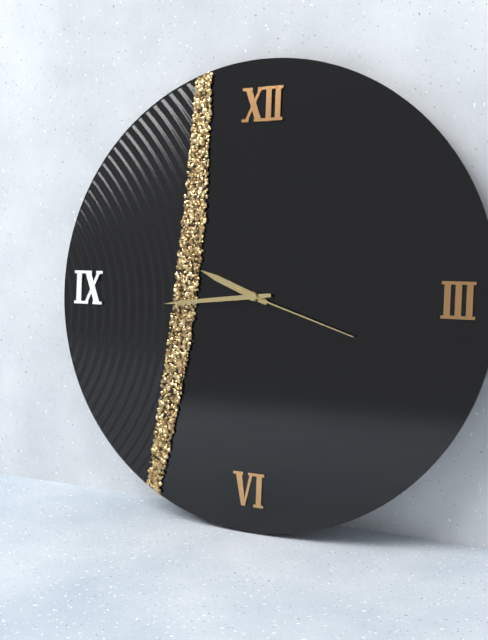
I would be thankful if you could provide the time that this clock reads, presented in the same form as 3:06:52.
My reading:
9:44:18
